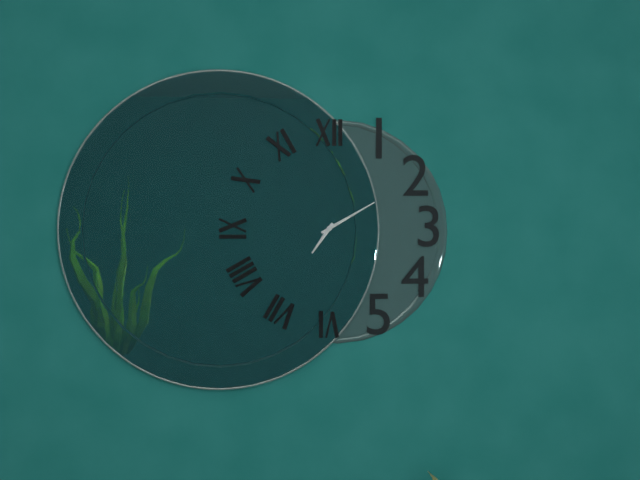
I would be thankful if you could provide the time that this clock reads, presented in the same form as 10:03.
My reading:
7:10
